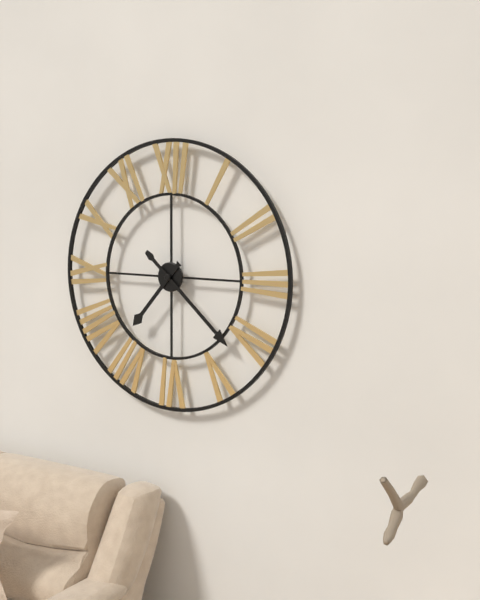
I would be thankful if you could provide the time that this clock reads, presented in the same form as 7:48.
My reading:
7:22
